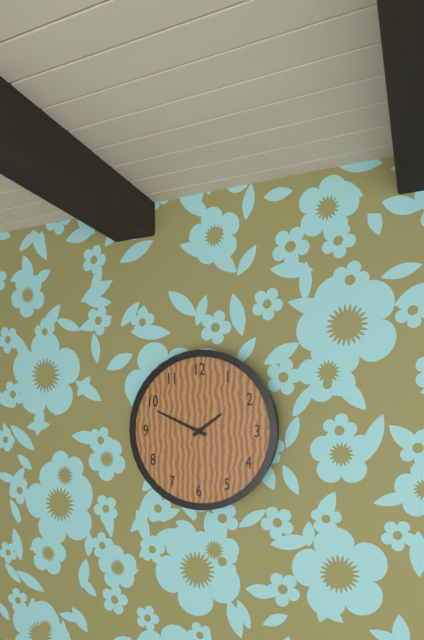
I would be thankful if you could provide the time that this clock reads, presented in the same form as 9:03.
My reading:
1:49
